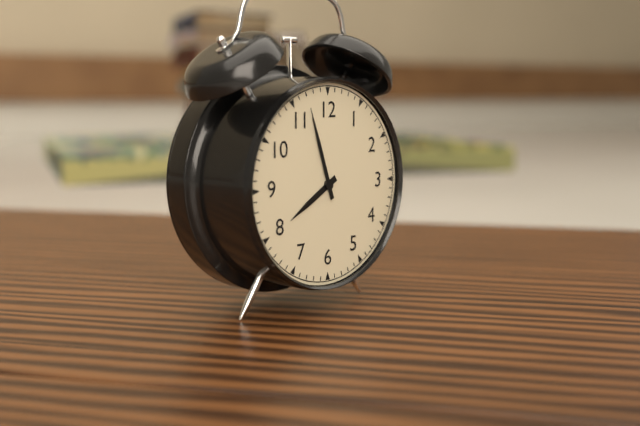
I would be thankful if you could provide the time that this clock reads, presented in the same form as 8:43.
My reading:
7:57
